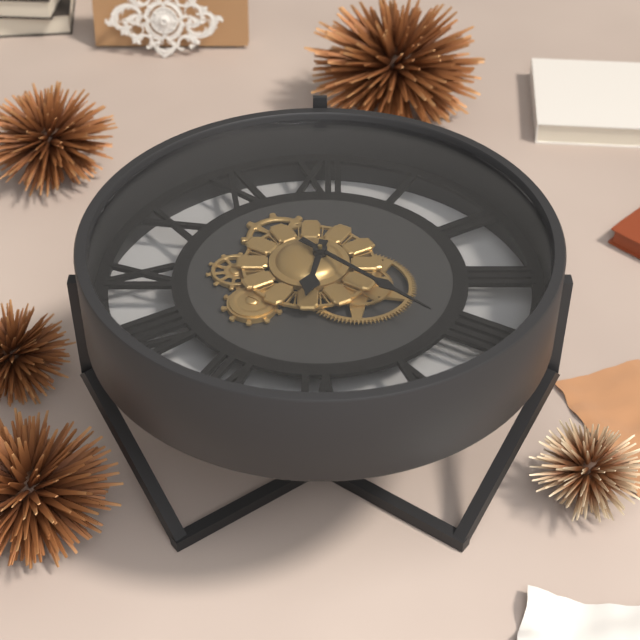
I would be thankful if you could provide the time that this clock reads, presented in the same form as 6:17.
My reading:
6:22
